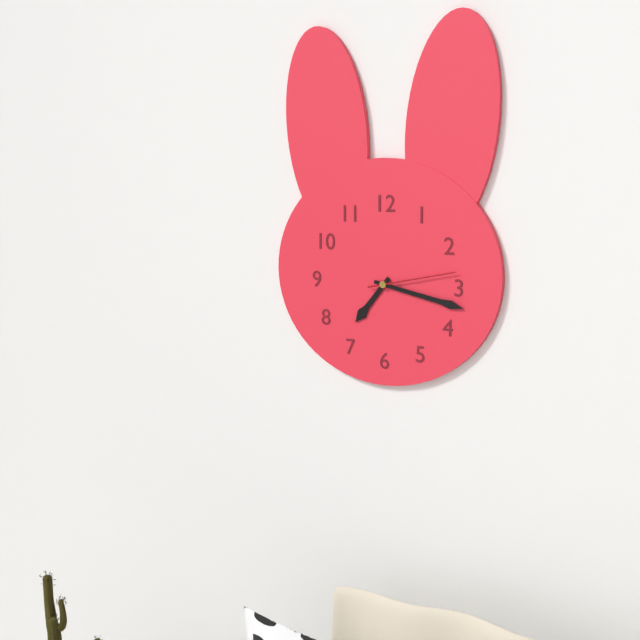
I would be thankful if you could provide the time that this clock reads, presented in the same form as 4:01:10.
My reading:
7:17:13
